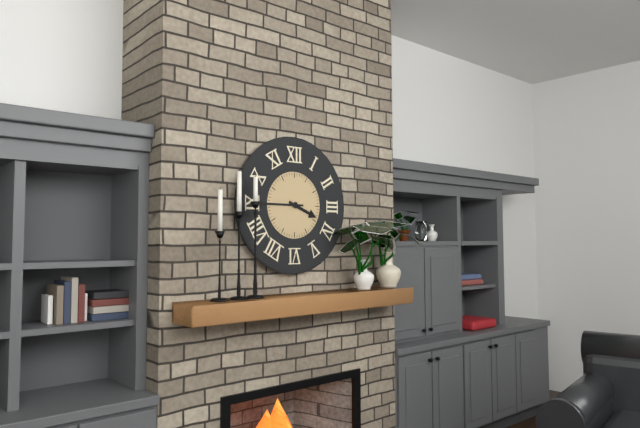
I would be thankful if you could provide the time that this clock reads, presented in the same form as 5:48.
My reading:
3:45
